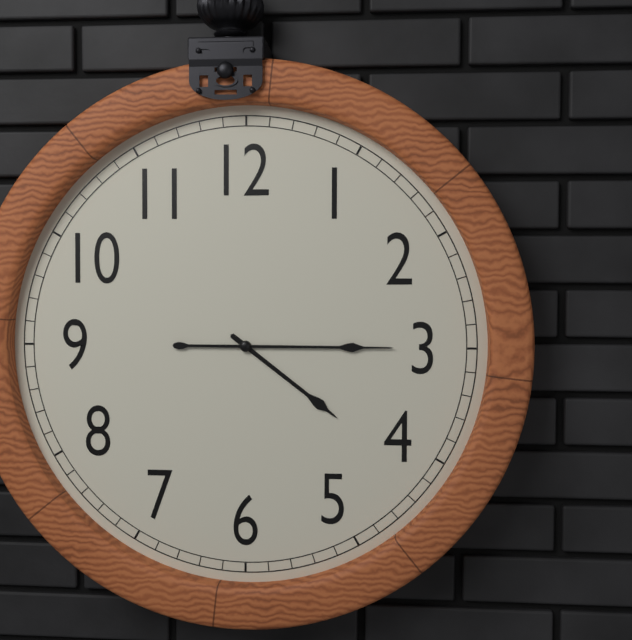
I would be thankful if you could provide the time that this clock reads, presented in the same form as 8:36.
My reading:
4:15
